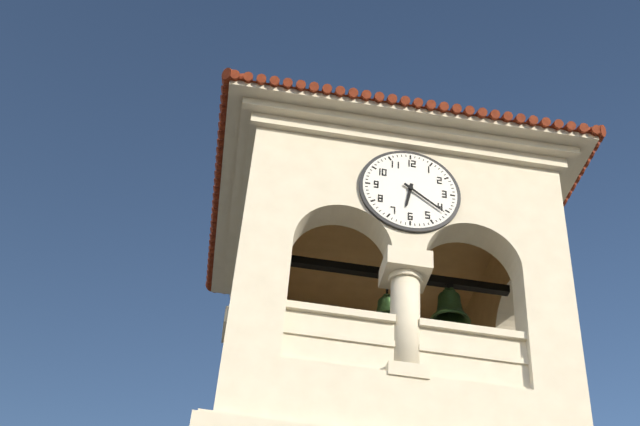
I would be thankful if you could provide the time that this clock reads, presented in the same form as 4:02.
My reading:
6:21
